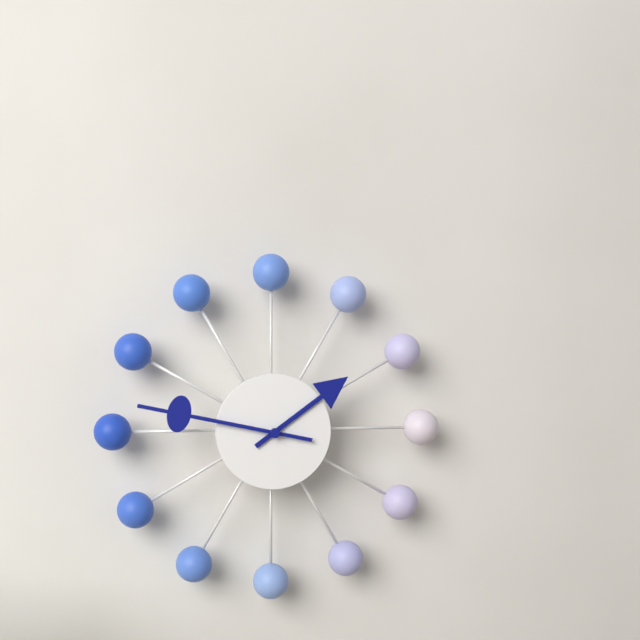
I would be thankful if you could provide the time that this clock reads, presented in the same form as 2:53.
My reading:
1:47
